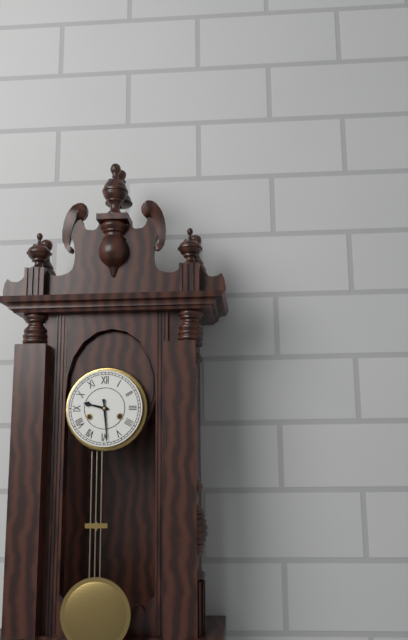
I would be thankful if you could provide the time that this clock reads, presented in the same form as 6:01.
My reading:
9:29
